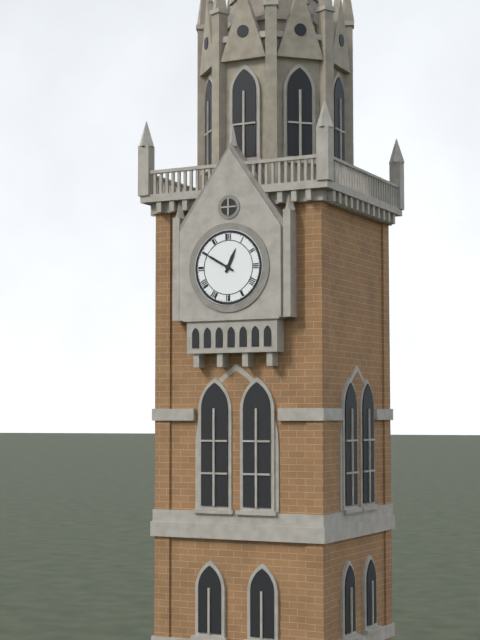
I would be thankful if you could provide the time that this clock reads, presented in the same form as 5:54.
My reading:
12:50
